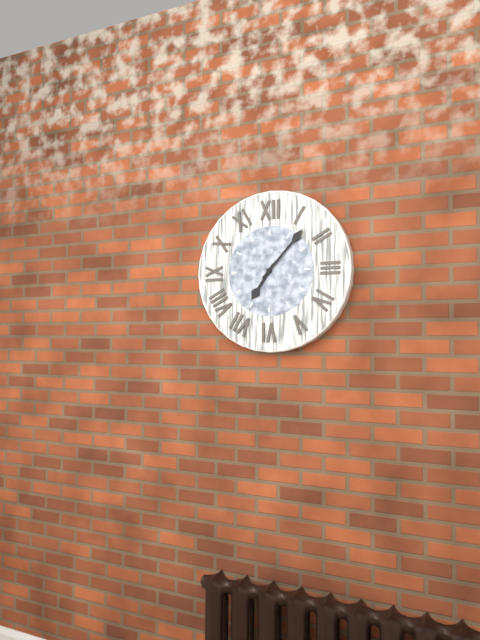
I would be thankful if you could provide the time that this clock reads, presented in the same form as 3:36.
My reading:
7:07
